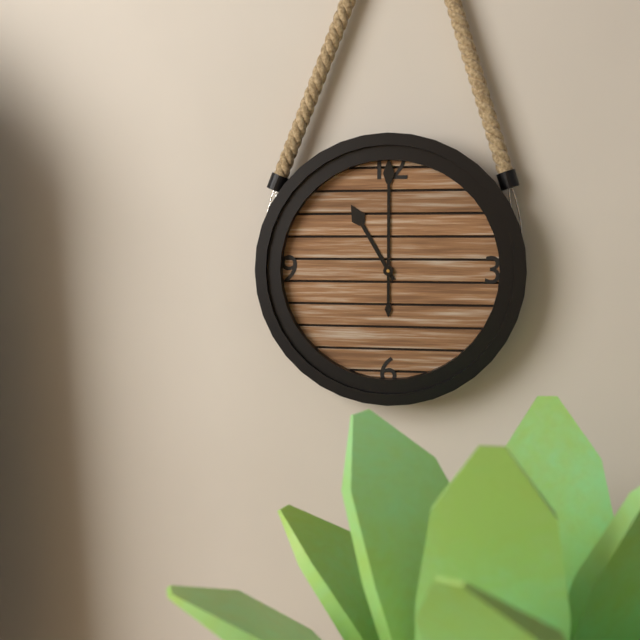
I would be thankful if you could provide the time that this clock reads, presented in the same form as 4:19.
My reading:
11:00
